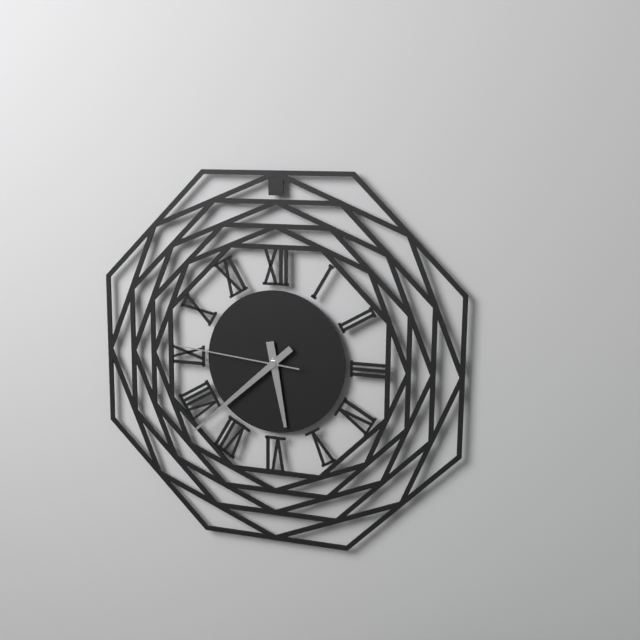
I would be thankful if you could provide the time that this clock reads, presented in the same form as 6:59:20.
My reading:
5:38:46
